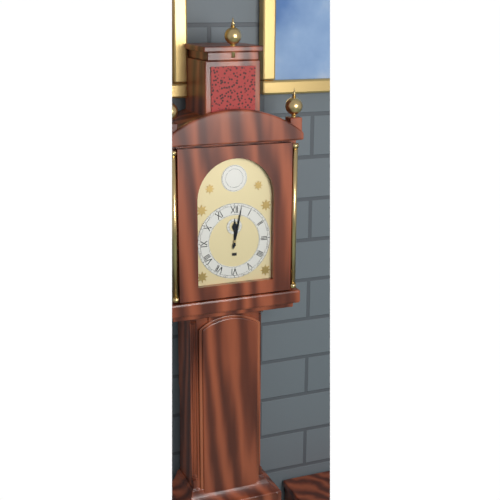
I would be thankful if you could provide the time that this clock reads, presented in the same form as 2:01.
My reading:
12:02
